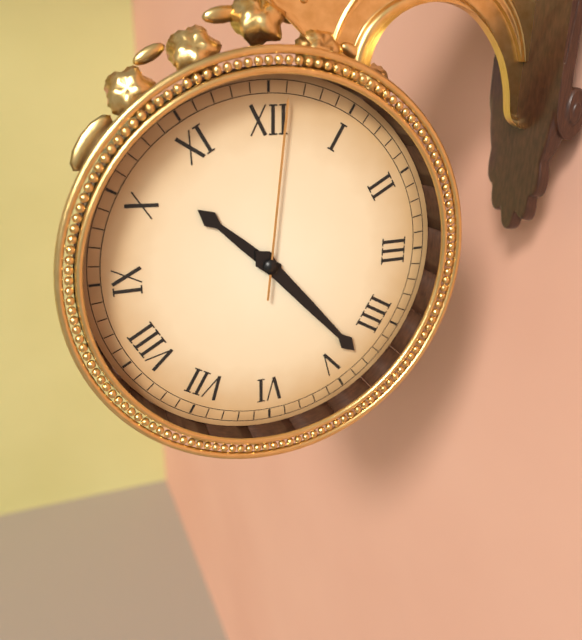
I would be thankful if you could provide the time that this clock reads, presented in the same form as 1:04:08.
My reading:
10:23:01
